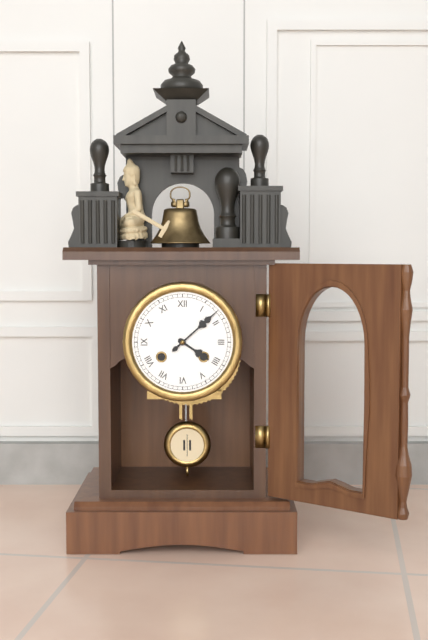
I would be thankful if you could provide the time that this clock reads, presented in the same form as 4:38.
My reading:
4:08
